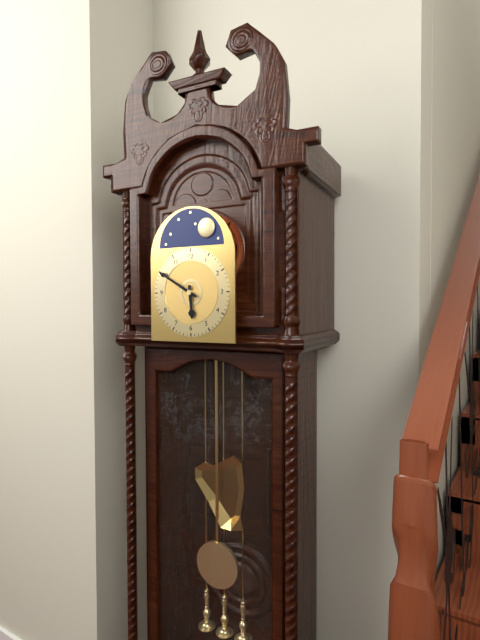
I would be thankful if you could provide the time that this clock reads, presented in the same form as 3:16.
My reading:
5:50
